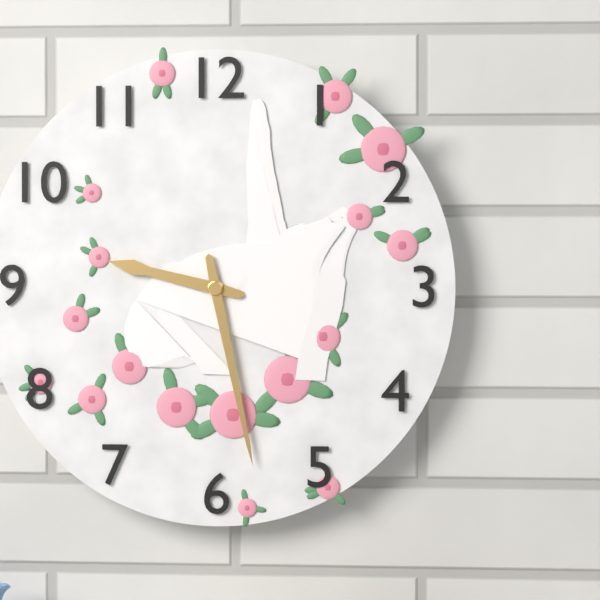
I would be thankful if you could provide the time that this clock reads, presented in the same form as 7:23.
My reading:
9:28
